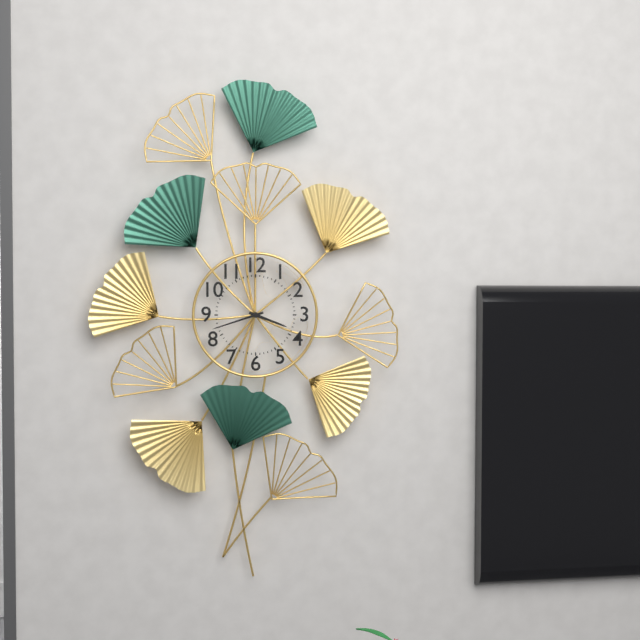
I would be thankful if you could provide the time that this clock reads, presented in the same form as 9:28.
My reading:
3:42
